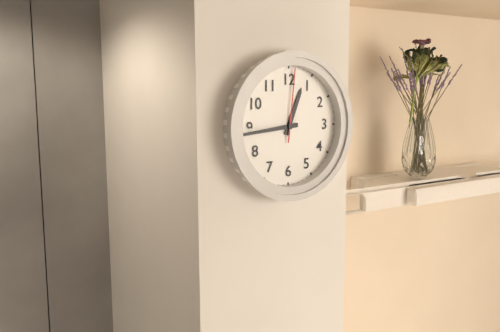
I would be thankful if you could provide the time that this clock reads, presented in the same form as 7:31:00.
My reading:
12:44:01
